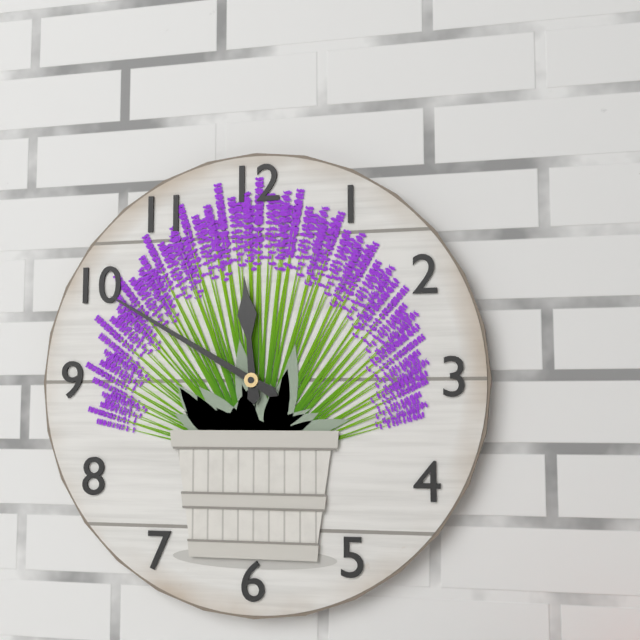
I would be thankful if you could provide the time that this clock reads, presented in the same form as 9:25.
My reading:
11:50
